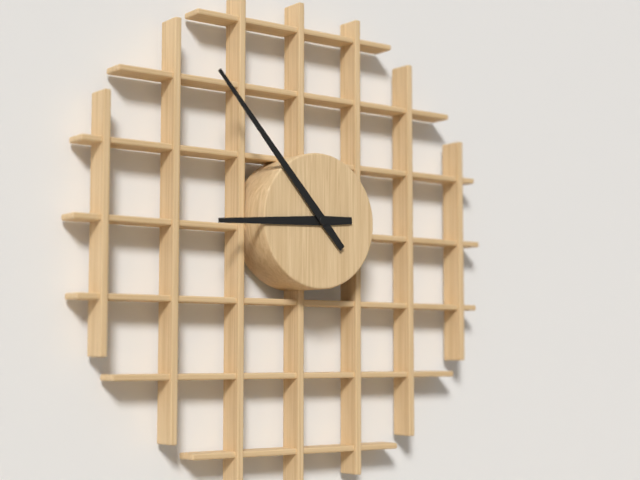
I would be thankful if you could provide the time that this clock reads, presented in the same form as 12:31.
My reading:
8:53
